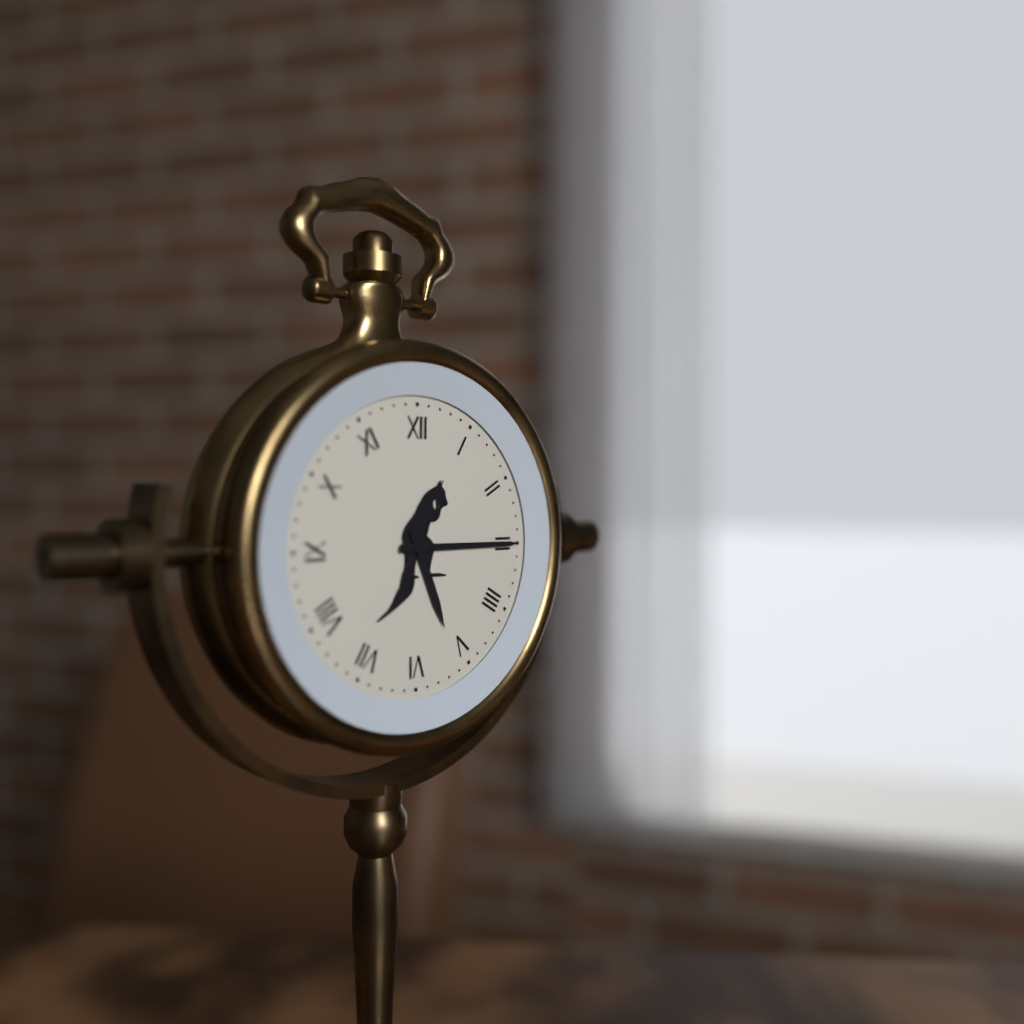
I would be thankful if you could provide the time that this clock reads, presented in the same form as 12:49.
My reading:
5:15
